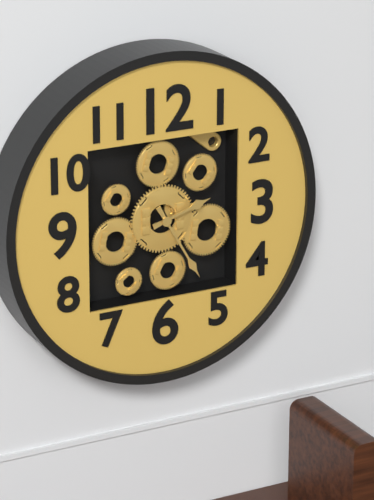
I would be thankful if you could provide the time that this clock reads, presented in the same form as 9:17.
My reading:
2:25
